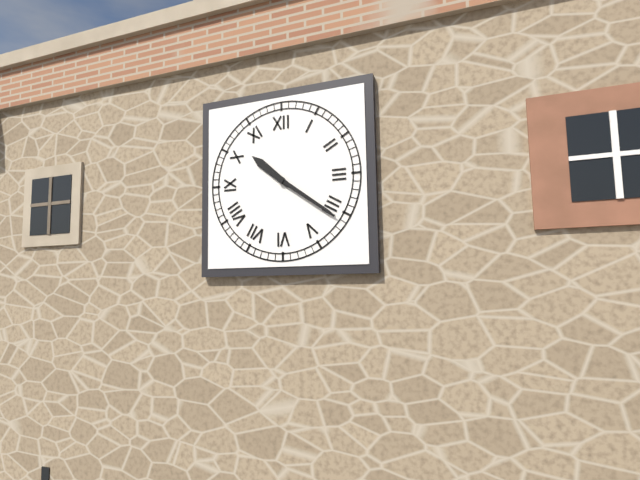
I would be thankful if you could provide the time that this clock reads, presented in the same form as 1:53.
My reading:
10:21
